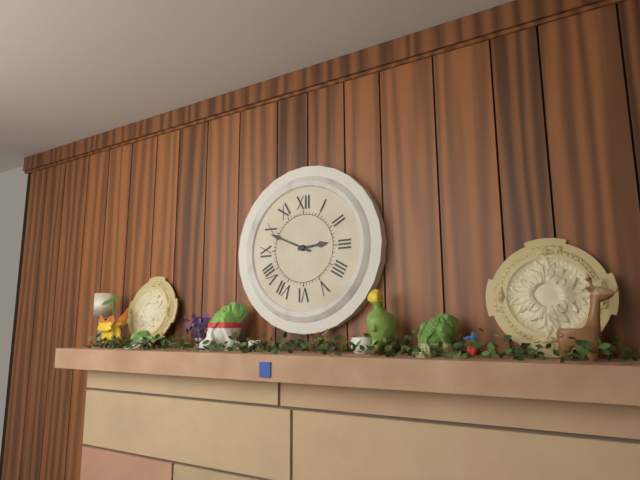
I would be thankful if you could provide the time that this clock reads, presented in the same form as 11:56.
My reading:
2:49
